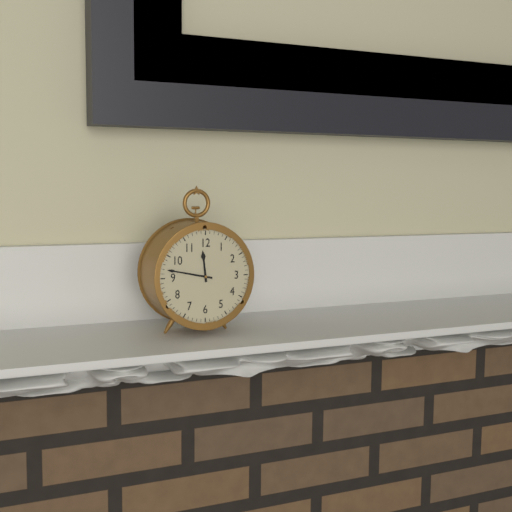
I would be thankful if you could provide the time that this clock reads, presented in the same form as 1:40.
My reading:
11:47
